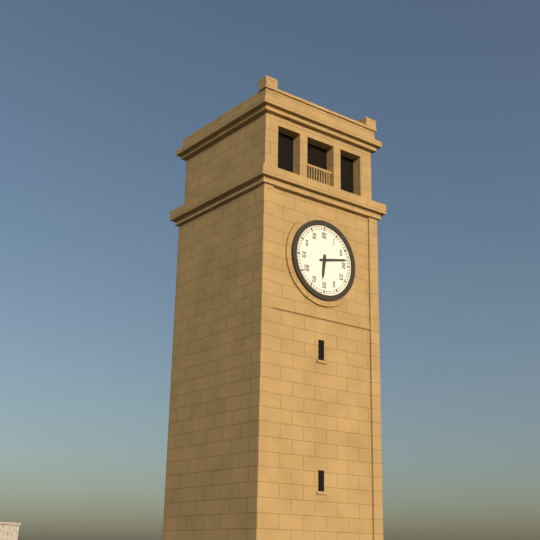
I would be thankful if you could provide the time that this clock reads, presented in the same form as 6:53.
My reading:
6:13
